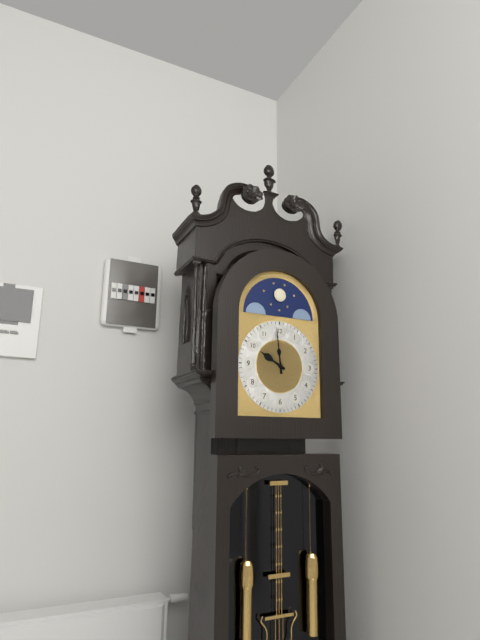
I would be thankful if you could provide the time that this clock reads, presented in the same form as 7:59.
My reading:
9:59
